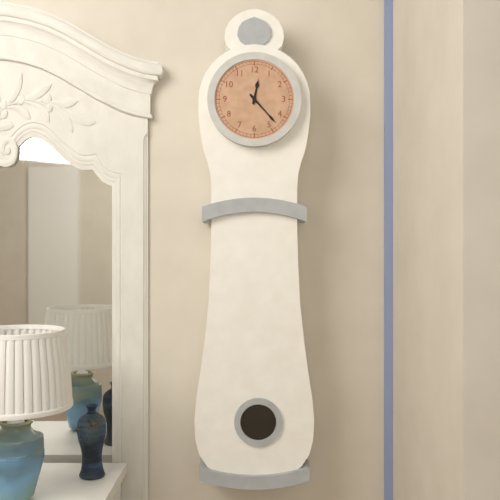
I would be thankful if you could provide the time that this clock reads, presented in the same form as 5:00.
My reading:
12:23
